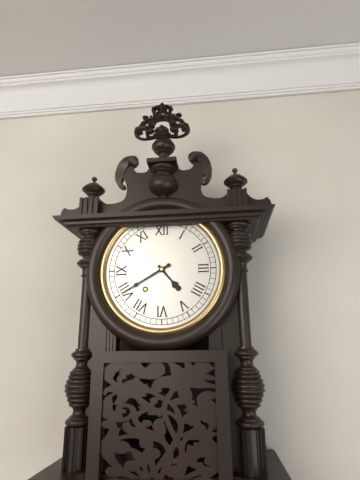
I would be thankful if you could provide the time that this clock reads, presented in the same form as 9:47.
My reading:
4:40
